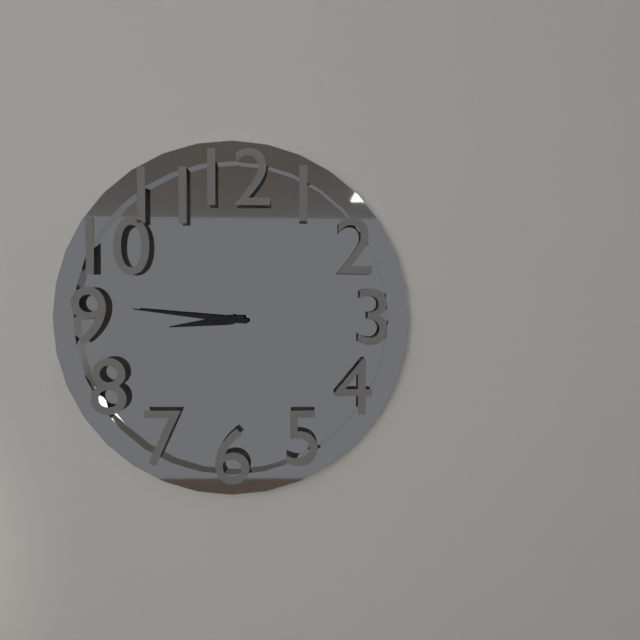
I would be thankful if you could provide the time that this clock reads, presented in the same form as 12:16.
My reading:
8:46
